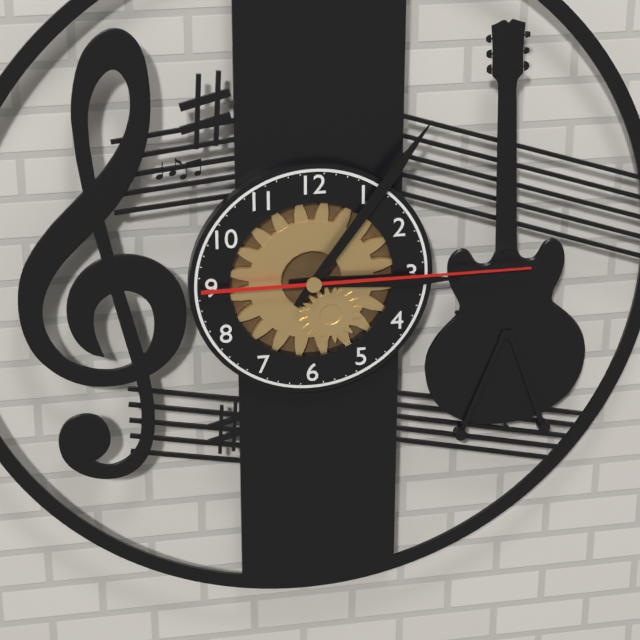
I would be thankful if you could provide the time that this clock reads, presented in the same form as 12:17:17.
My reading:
3:06:15
